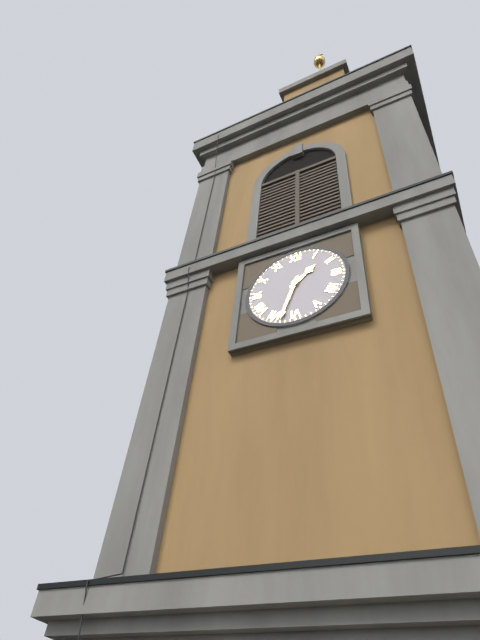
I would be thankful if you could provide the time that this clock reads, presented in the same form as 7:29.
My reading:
1:33
